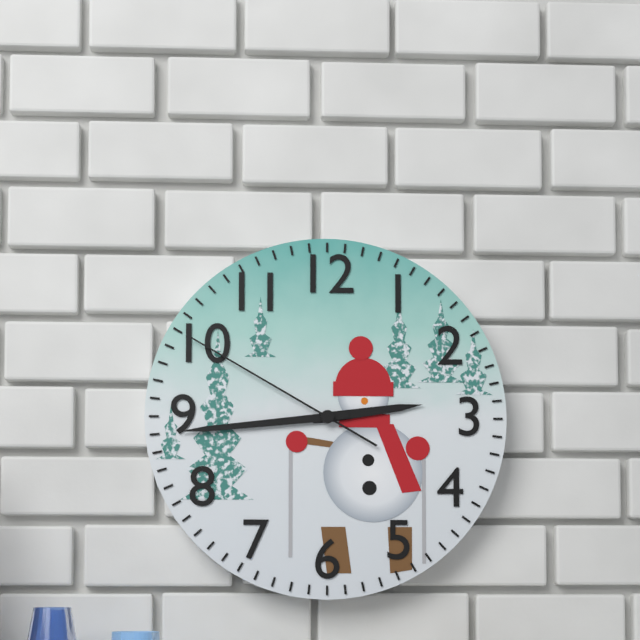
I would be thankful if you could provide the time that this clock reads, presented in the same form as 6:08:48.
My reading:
2:44:50
